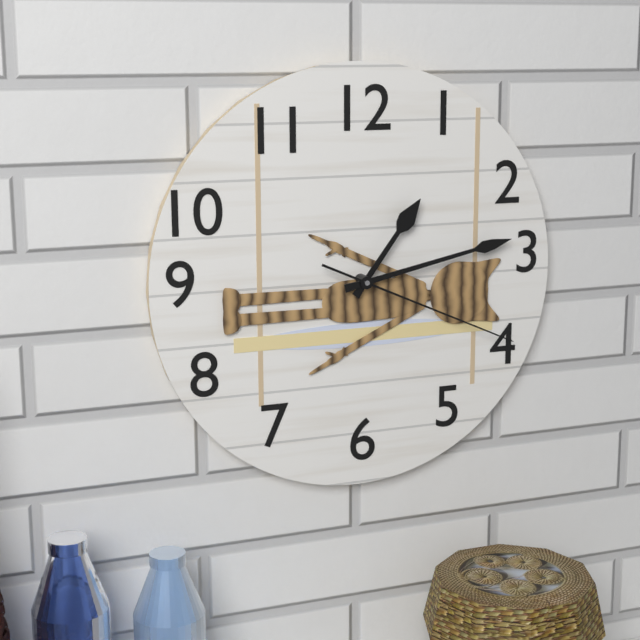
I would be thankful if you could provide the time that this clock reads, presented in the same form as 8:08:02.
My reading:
1:13:19
